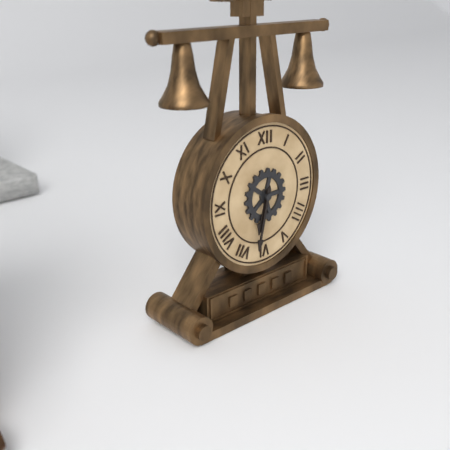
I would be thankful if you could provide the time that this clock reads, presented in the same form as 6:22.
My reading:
6:32
